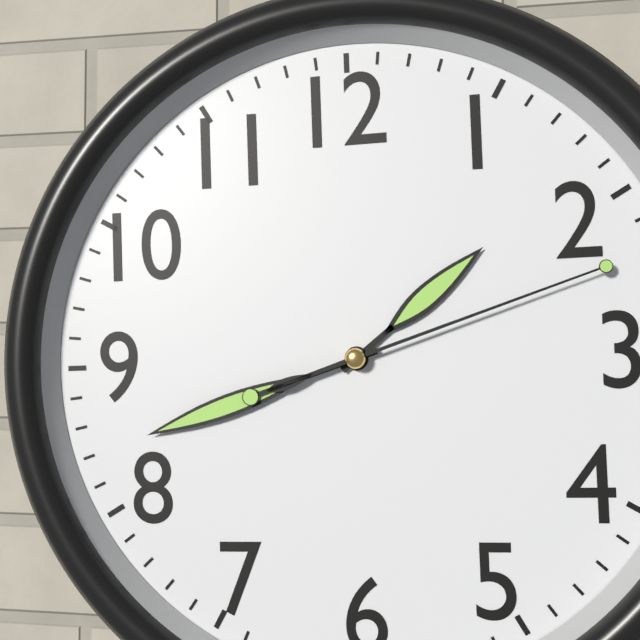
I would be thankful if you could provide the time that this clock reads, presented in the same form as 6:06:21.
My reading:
1:42:12
